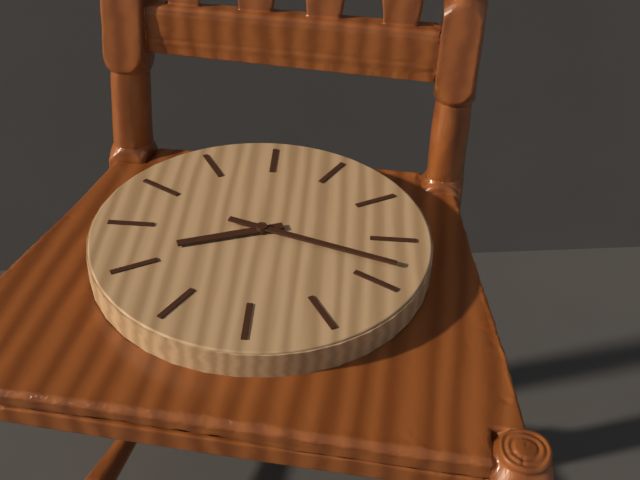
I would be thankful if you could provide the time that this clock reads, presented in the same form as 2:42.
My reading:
8:18
